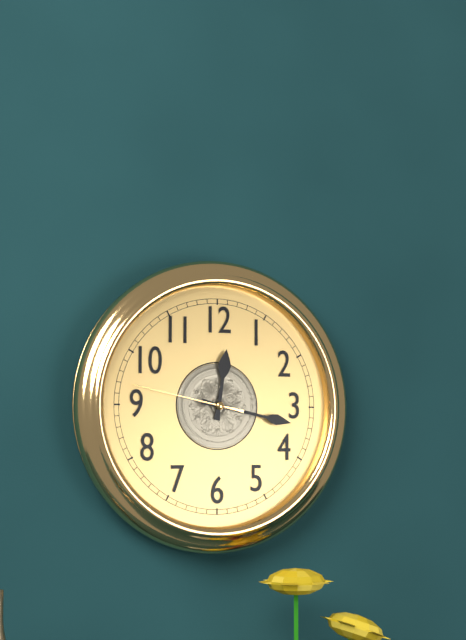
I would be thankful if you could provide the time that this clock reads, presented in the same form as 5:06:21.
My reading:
12:17:47
